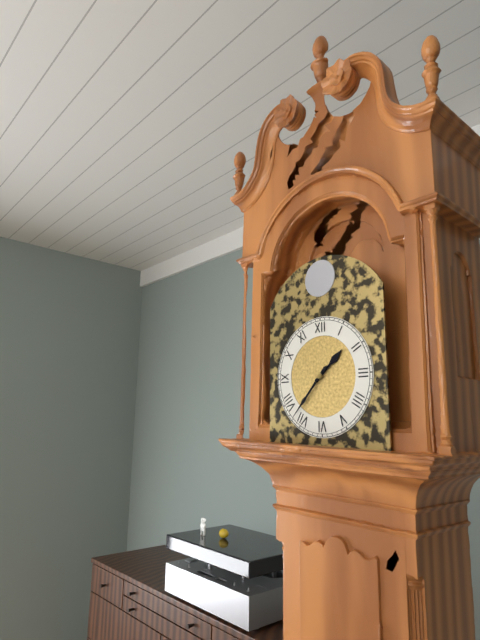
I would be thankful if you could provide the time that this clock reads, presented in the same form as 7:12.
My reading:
1:37
